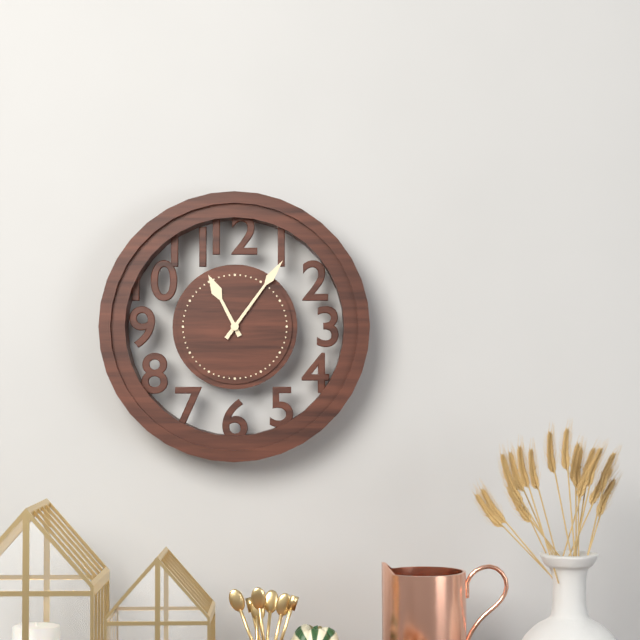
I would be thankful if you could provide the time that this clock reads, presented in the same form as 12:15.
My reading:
11:06
